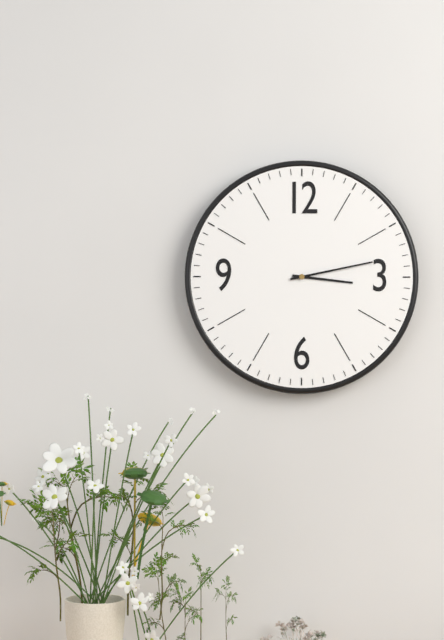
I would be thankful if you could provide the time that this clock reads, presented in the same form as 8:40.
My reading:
3:13
